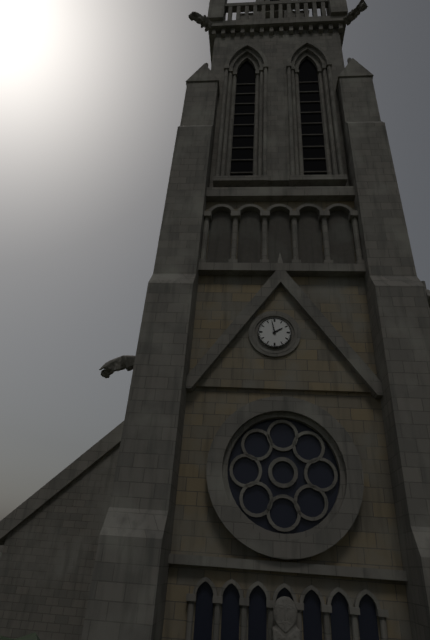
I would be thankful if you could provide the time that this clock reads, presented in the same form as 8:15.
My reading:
1:58
